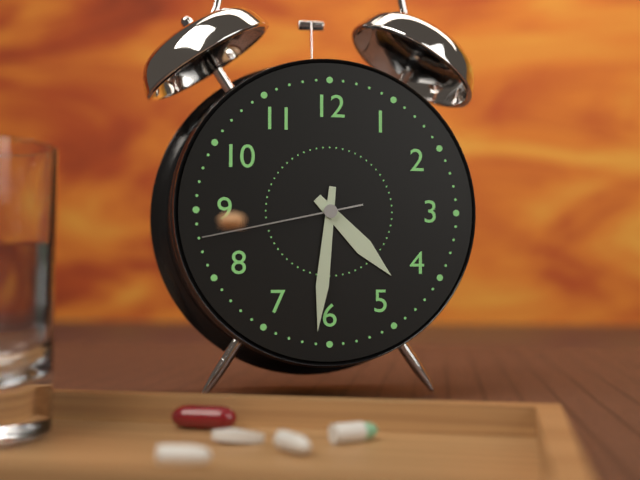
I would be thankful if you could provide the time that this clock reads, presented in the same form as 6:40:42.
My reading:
4:31:43
